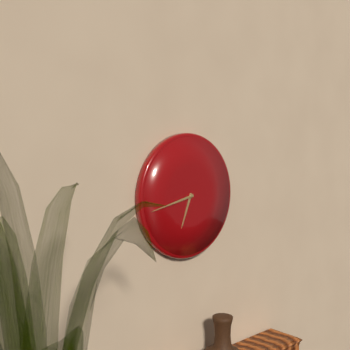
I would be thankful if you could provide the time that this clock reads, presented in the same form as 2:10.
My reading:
6:43
